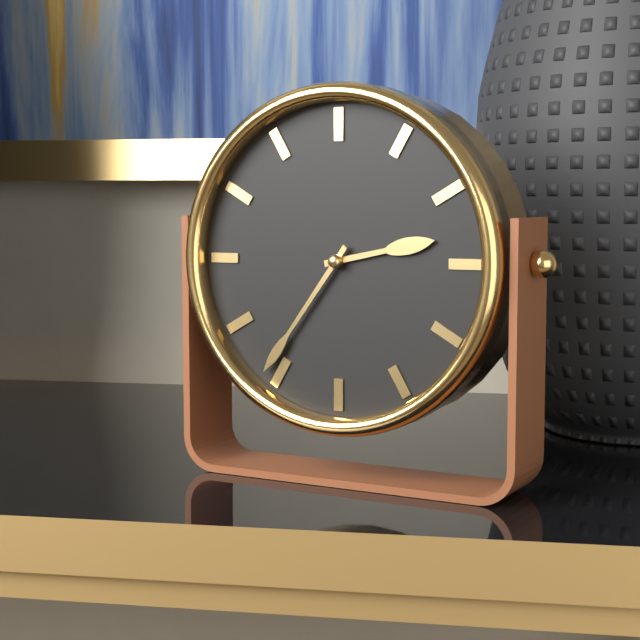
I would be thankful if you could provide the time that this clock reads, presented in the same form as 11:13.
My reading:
2:36
